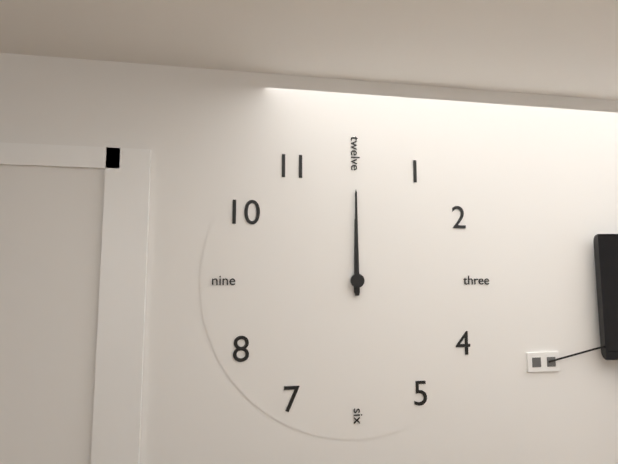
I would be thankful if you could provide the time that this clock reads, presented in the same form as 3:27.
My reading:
12:00
